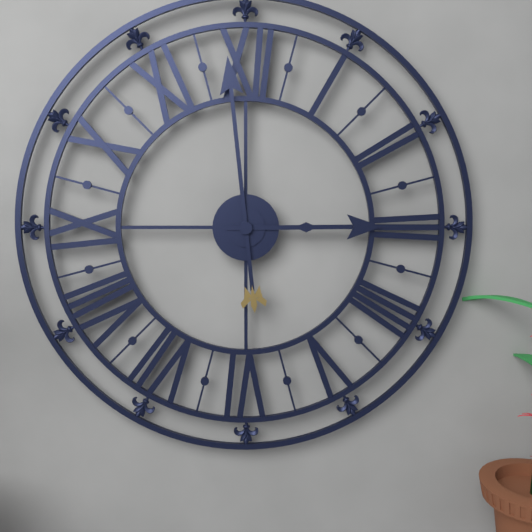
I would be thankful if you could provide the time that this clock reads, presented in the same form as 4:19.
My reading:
2:59
